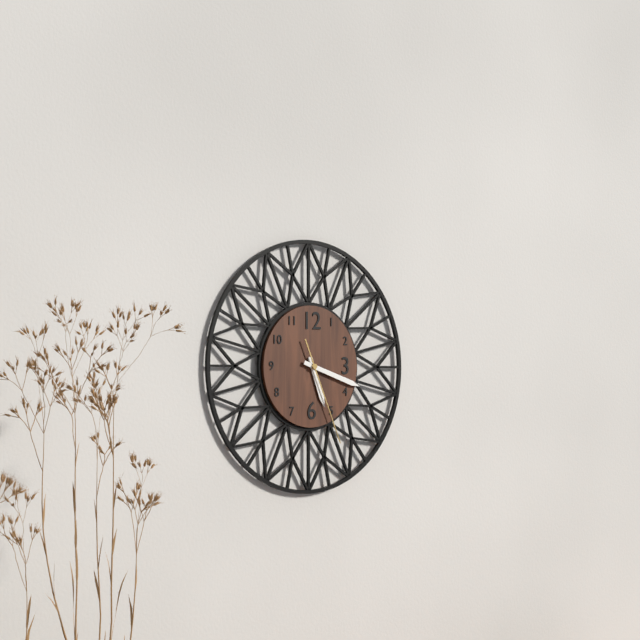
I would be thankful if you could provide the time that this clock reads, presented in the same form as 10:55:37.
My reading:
5:18:26
